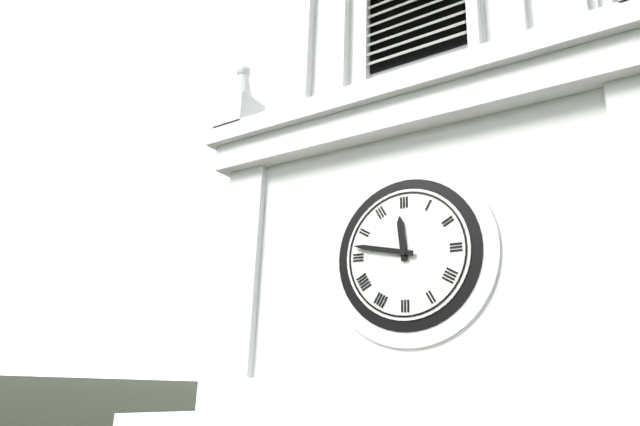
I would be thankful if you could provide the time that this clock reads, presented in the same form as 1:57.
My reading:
11:47
